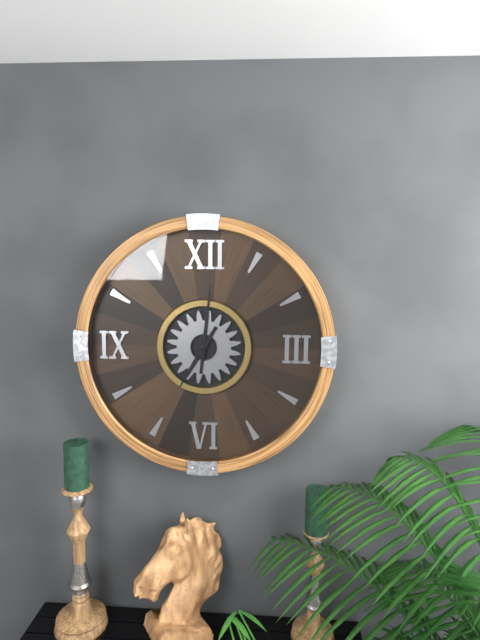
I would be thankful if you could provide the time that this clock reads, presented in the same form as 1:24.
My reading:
7:01
